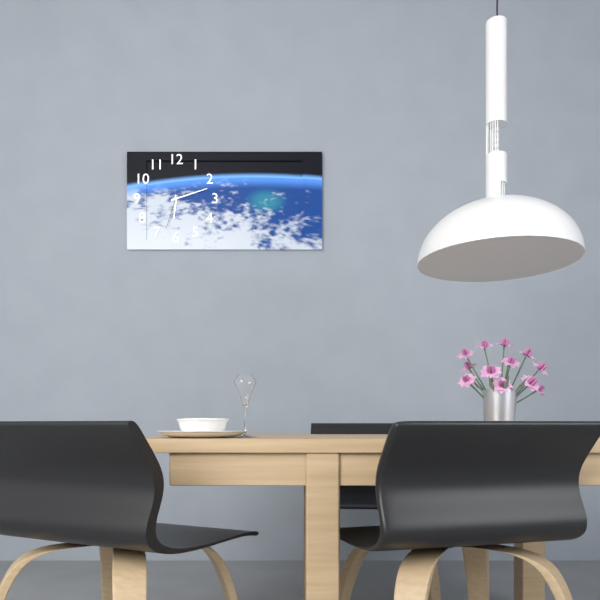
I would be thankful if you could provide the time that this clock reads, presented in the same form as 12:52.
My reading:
6:12
